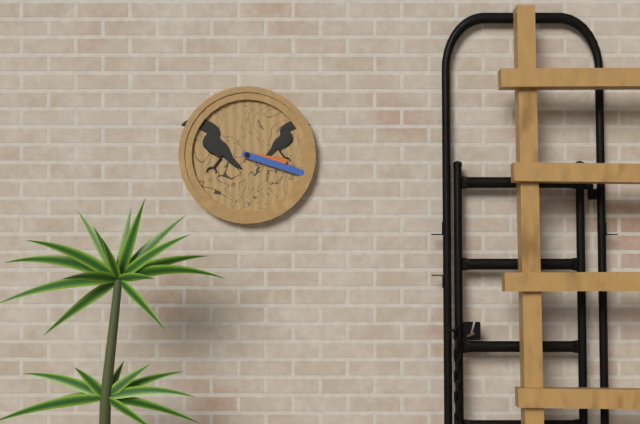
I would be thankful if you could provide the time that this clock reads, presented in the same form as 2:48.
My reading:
3:18
